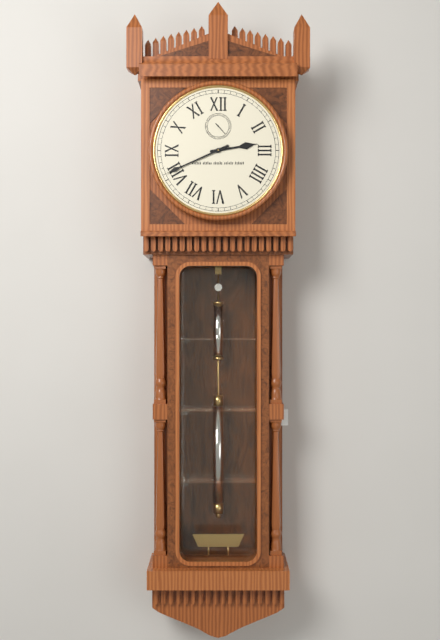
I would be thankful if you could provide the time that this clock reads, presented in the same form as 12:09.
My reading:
2:41
